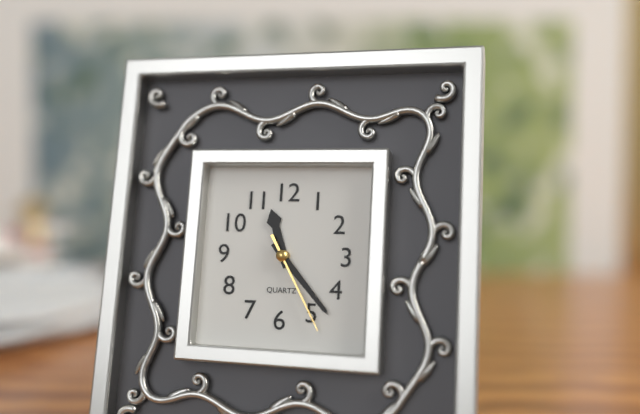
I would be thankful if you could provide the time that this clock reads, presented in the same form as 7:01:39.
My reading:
11:23:25
